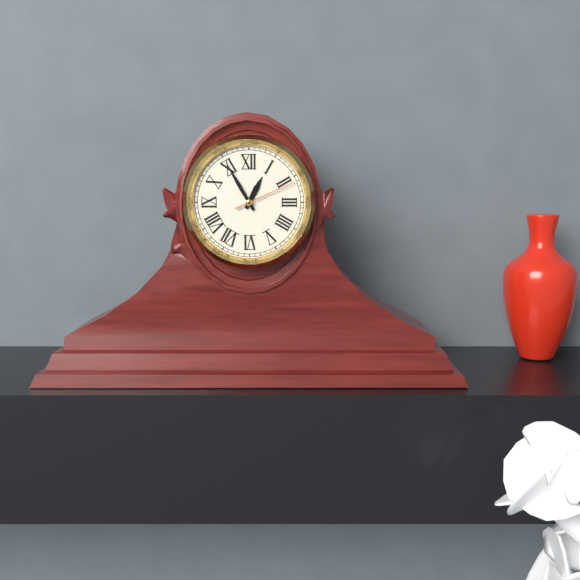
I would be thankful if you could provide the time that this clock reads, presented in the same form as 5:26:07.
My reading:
12:55:11
